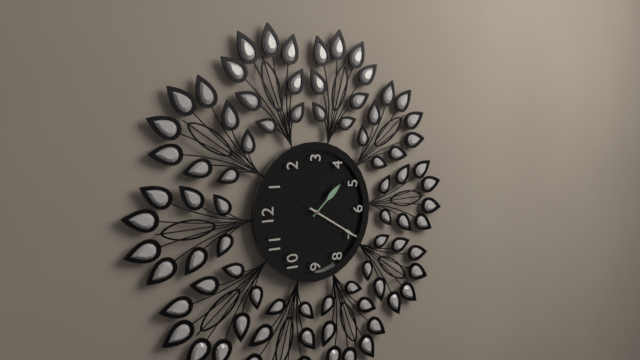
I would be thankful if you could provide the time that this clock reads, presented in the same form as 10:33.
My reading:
4:35
